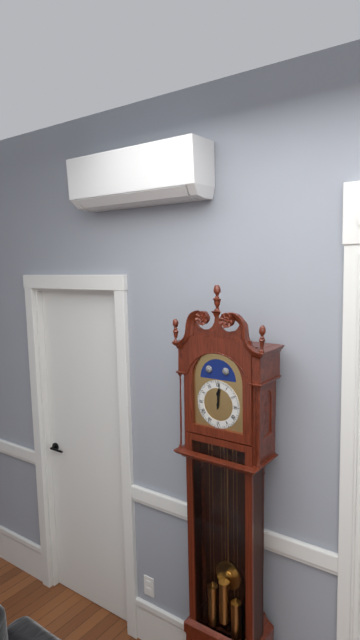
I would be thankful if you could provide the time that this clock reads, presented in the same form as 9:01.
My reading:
12:01
